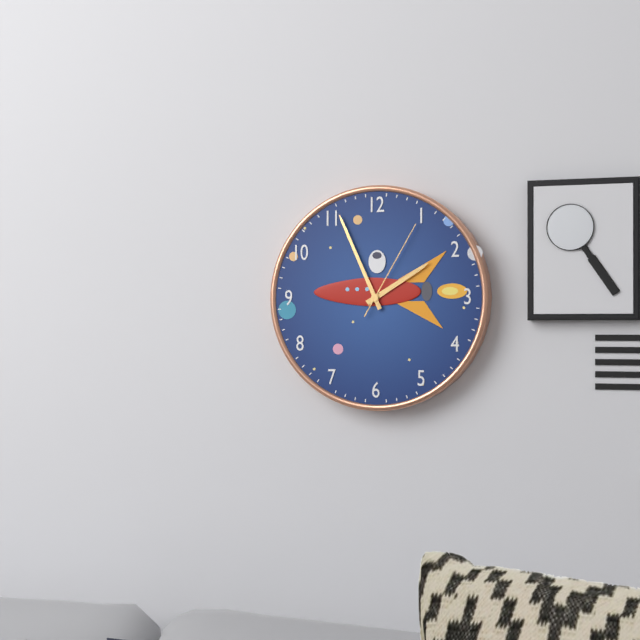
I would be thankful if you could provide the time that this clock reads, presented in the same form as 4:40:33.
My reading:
1:56:05
